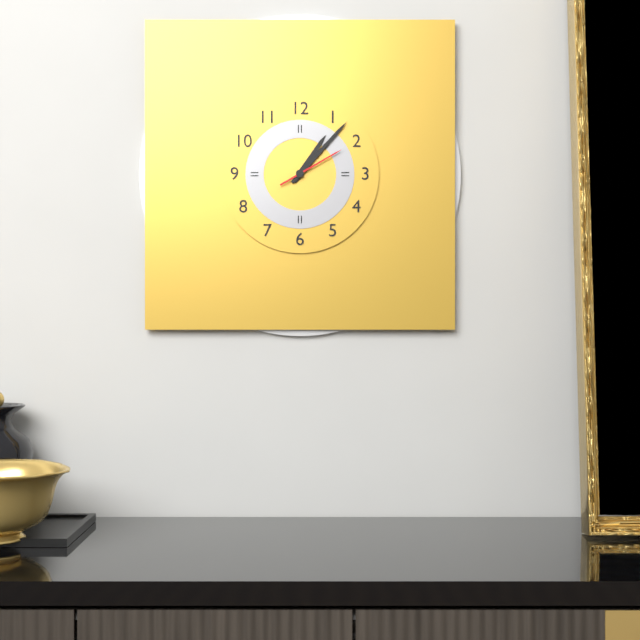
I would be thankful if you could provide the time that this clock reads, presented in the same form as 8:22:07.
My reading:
1:07:10
